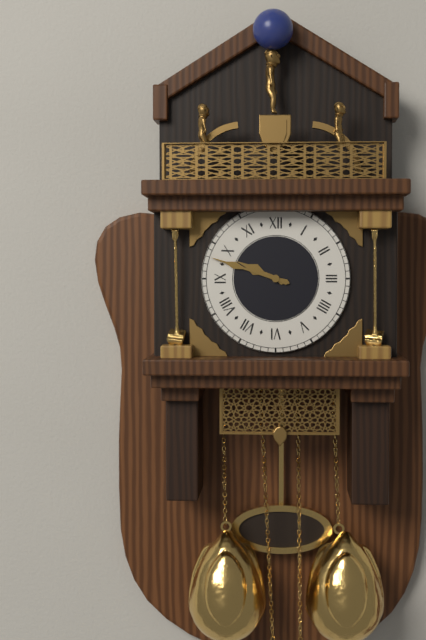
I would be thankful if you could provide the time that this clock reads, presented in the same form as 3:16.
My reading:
9:48
